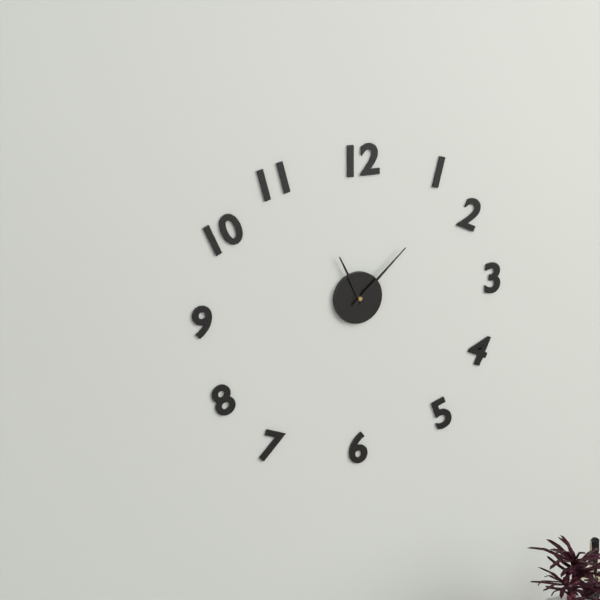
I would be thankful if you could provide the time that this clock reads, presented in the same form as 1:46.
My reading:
11:08
